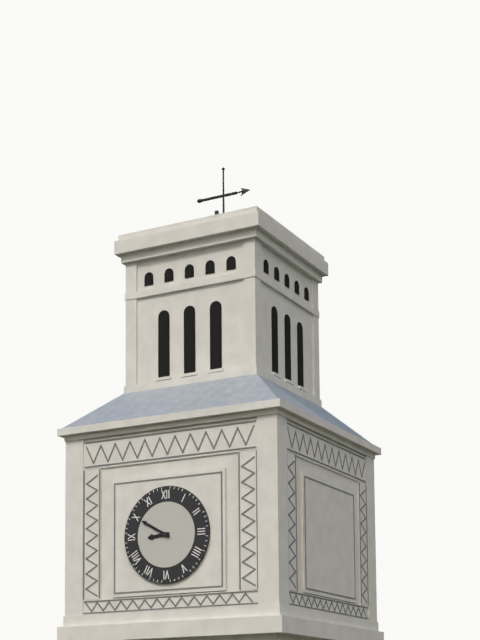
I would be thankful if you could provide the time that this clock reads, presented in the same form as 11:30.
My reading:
8:50
